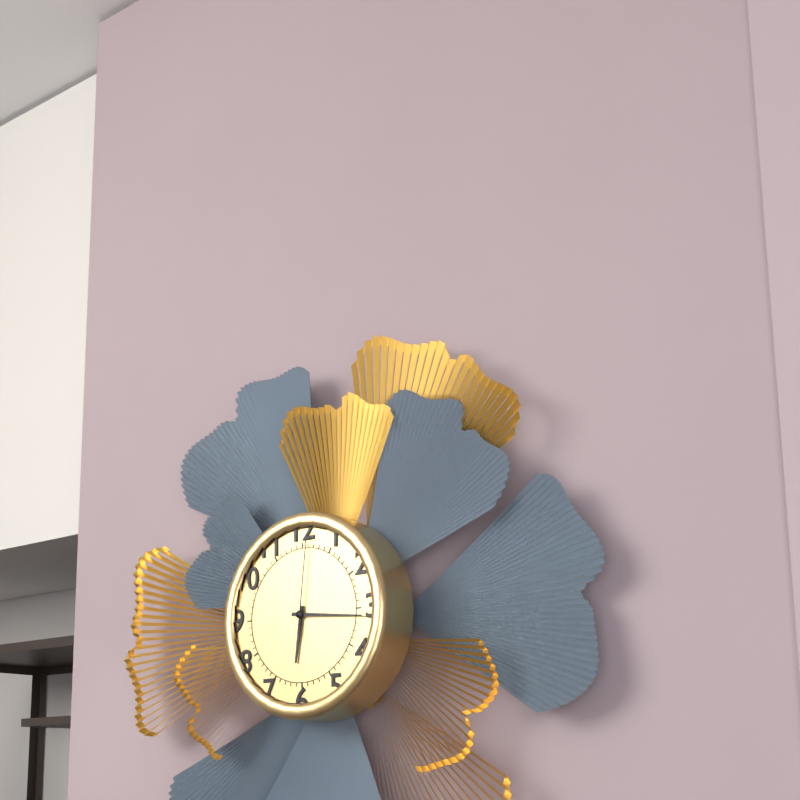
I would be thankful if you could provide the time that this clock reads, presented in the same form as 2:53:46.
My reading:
6:16:01
